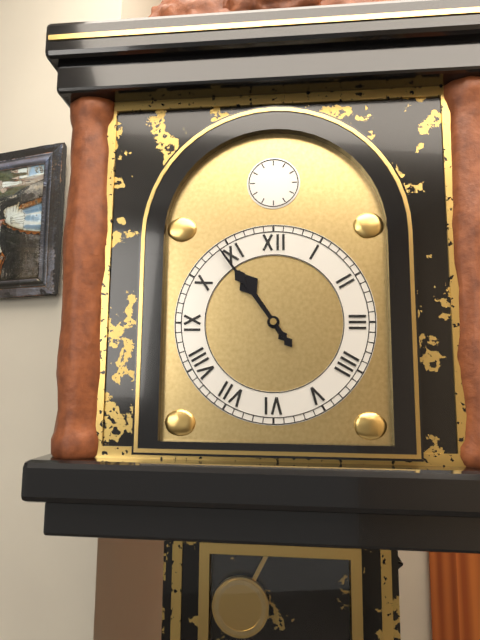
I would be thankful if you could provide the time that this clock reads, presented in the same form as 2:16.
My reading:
10:54
